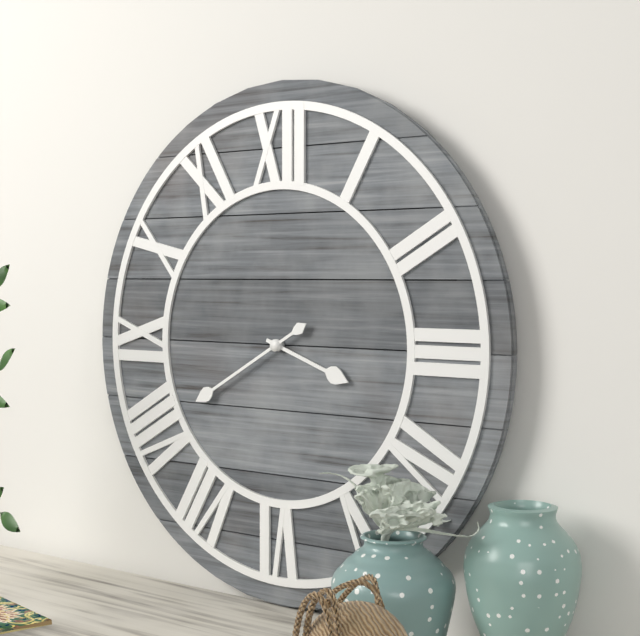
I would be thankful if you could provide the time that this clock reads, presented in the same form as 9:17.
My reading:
3:40
